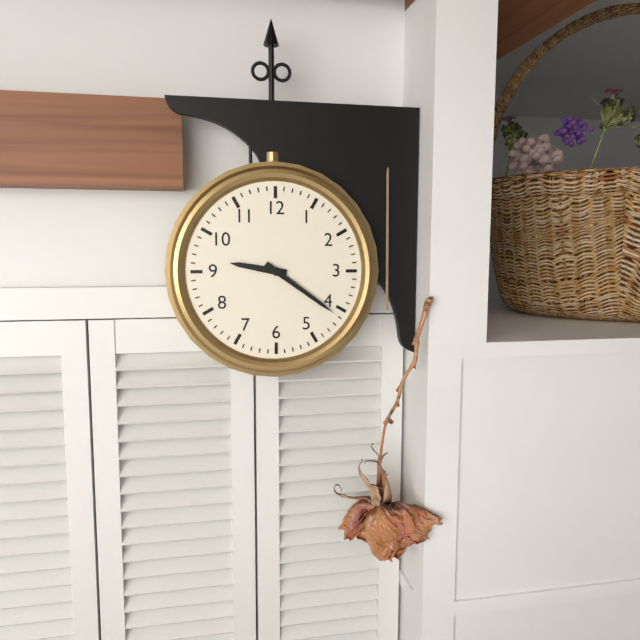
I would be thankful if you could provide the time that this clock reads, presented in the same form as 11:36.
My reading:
9:21
